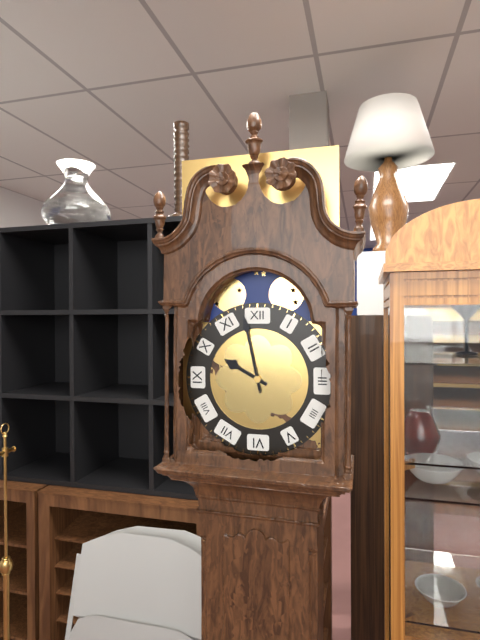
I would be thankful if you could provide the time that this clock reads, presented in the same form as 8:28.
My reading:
9:58
